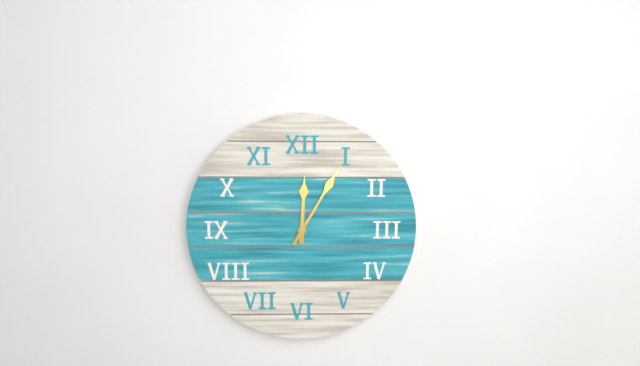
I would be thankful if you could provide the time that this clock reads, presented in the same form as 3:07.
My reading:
12:05
